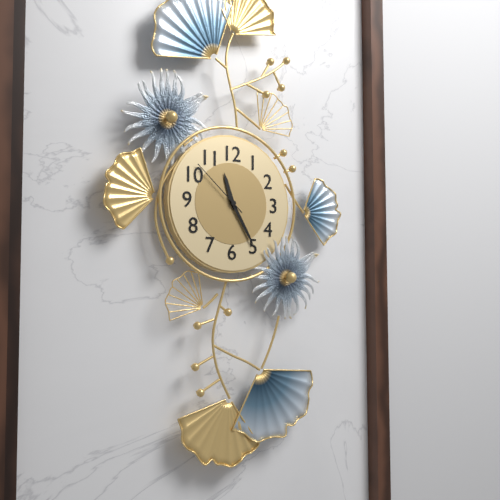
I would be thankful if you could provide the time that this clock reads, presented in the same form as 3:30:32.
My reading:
11:25:52
